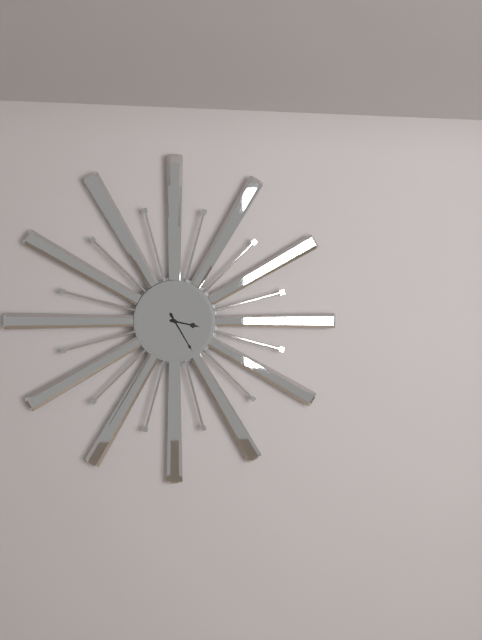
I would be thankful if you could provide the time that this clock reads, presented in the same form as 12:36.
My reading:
3:25
